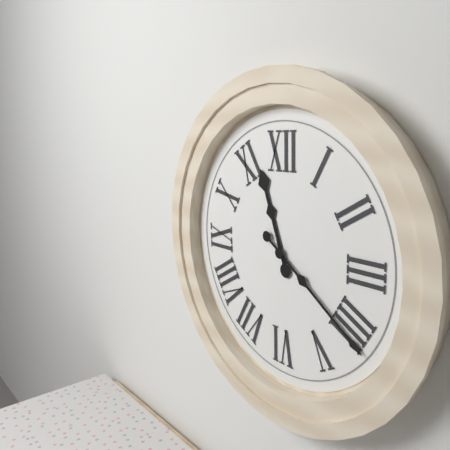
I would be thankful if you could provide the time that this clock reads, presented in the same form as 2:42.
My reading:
11:21
